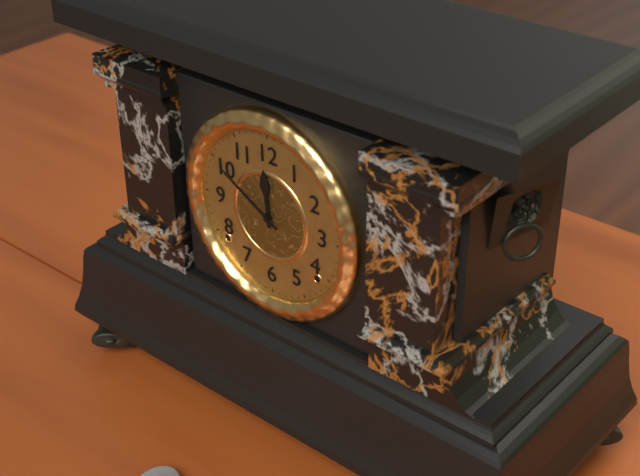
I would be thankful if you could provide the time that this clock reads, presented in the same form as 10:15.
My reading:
11:50
